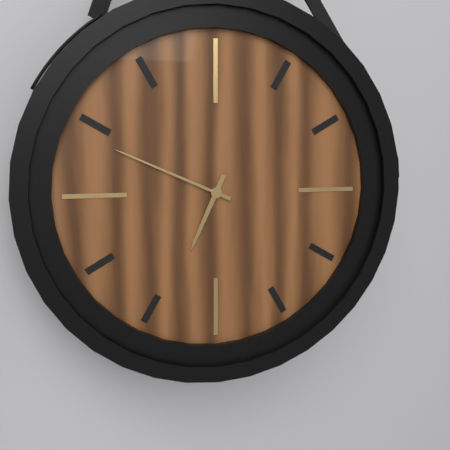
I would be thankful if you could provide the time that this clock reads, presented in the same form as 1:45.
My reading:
6:49
